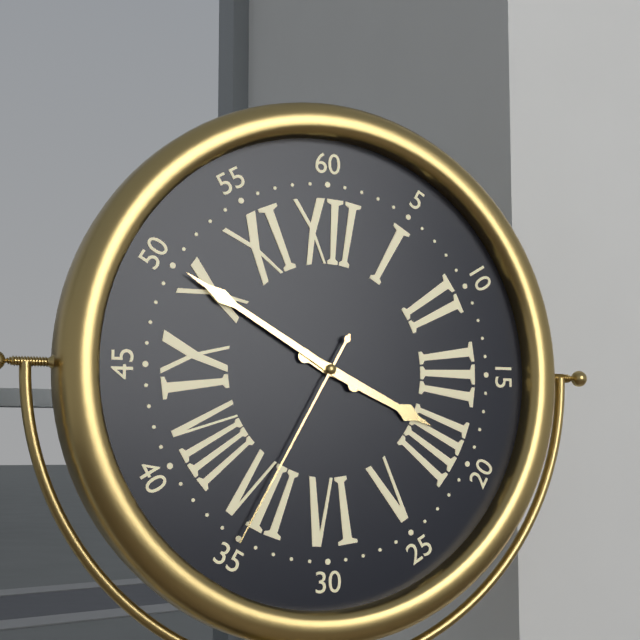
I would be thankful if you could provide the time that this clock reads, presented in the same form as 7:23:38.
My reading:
3:50:35
